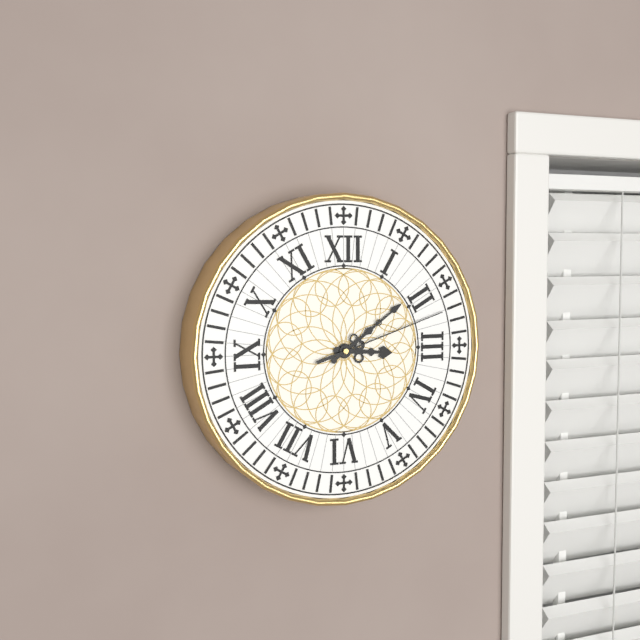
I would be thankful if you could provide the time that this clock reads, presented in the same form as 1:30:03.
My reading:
3:09:12
